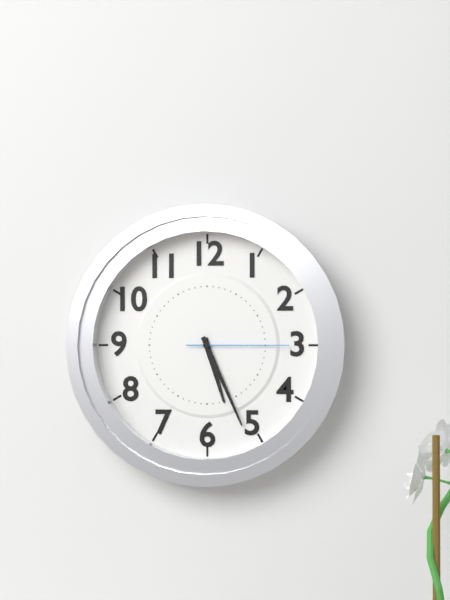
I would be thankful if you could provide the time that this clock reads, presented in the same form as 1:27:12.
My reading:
5:26:15
